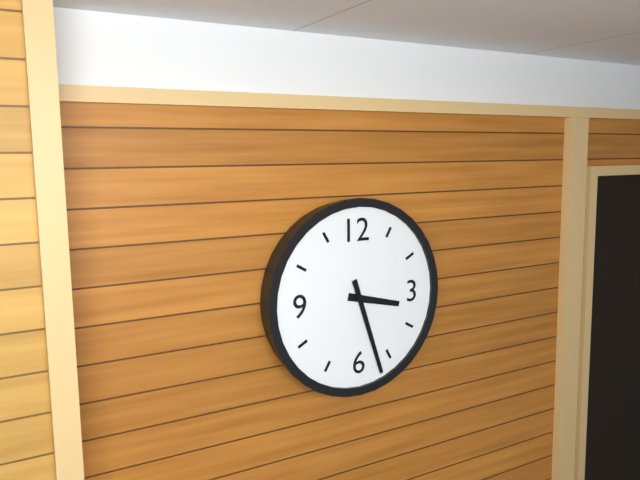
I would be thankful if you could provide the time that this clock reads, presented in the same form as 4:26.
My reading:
3:27
